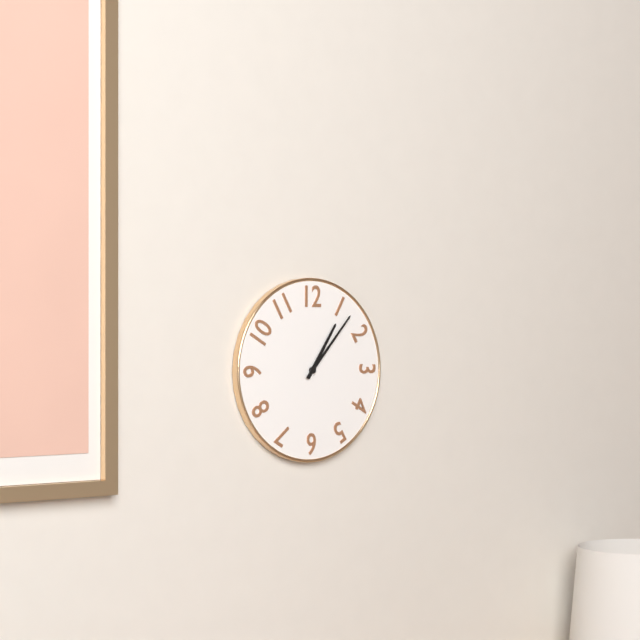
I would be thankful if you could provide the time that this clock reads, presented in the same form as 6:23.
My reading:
1:07
